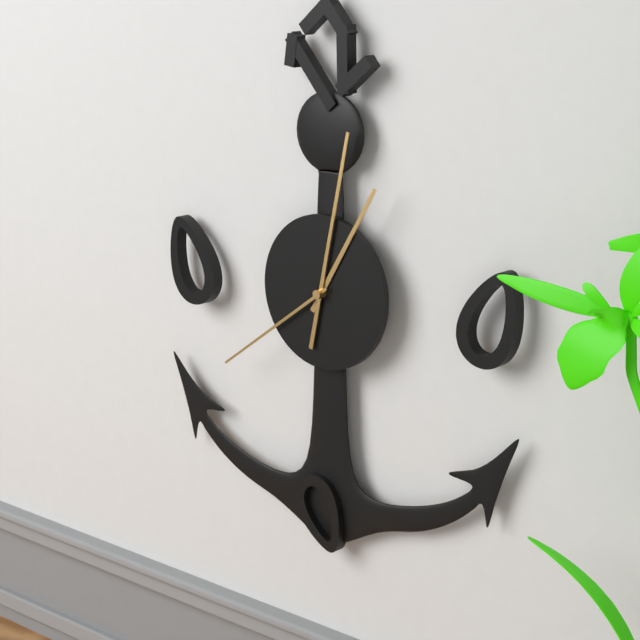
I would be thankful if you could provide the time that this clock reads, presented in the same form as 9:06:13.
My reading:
1:02:39
